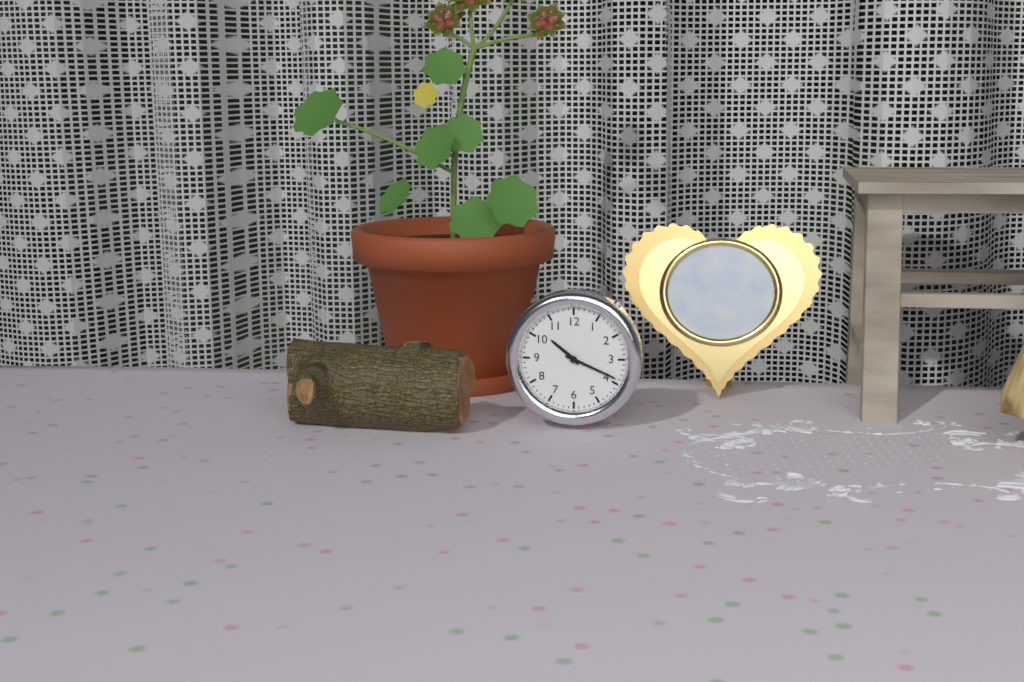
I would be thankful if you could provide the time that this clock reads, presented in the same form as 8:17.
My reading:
10:19
